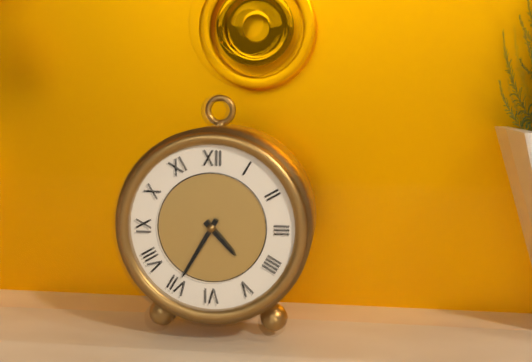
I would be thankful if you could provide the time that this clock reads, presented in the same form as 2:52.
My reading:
4:35
